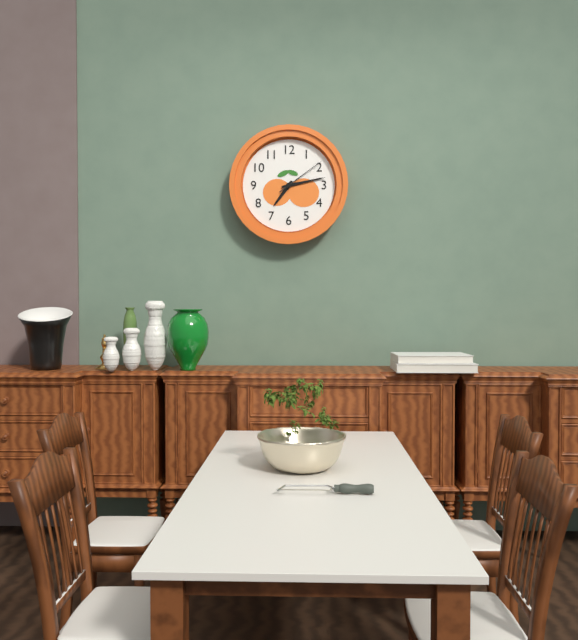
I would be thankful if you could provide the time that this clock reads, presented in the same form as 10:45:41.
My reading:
7:13:09
